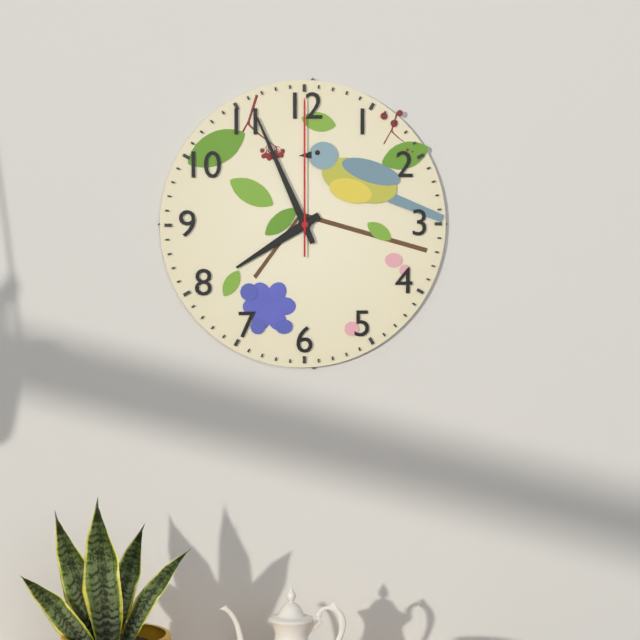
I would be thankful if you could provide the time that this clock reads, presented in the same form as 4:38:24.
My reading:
7:56:00
